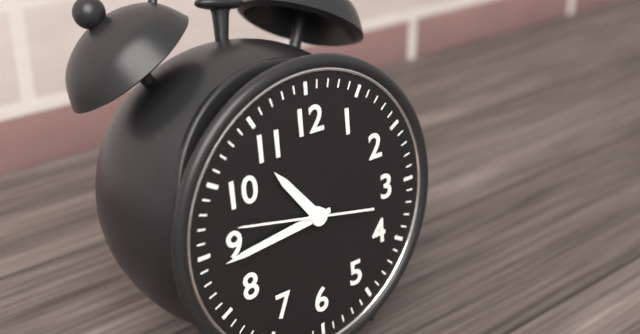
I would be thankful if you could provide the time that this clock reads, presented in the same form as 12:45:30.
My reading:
10:44:47
